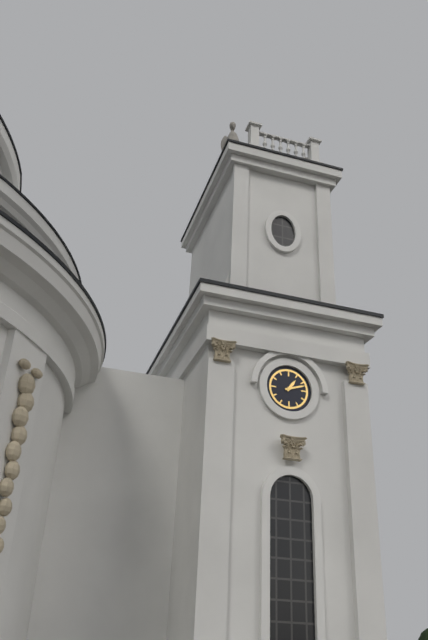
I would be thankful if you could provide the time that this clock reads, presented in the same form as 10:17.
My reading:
1:12
